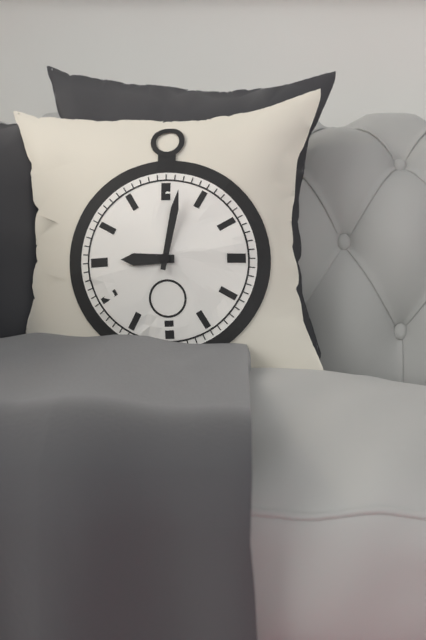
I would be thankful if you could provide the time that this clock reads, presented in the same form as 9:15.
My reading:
9:02
